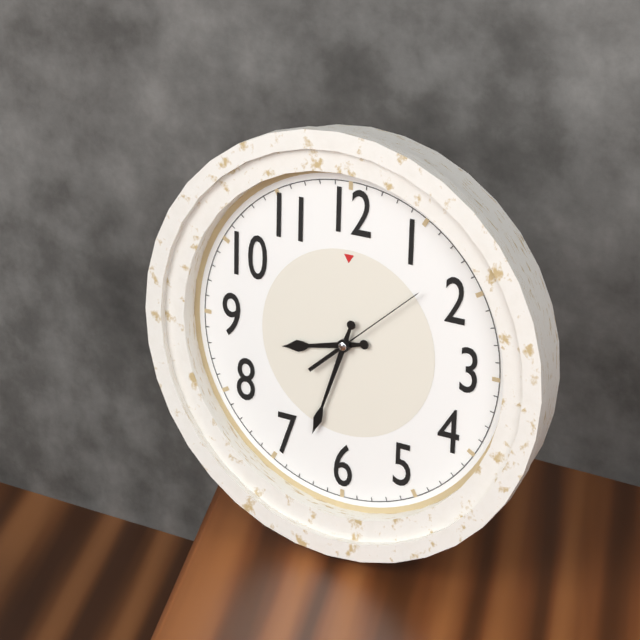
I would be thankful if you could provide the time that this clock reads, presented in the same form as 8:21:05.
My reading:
8:33:08
